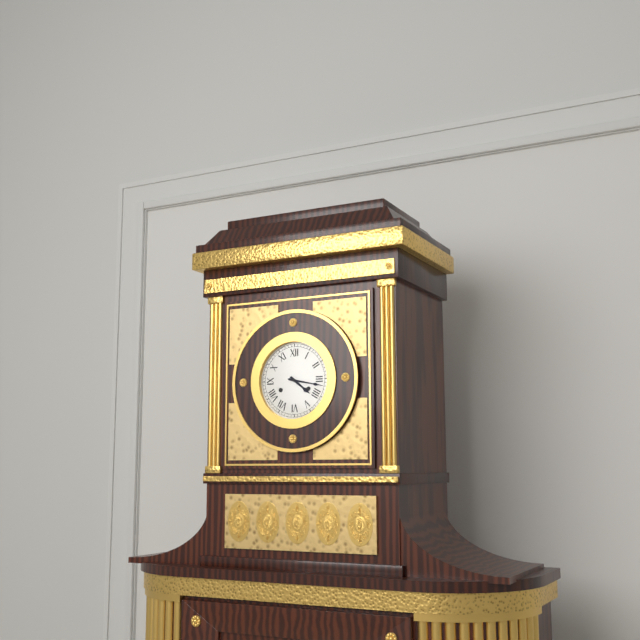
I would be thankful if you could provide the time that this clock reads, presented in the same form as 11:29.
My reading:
4:17
